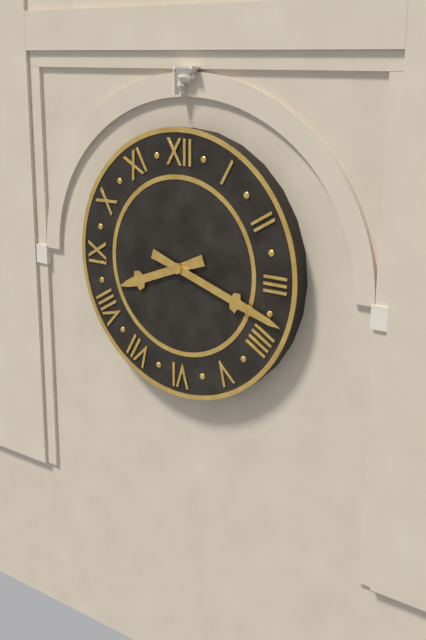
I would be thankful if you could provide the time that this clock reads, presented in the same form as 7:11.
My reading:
8:18
